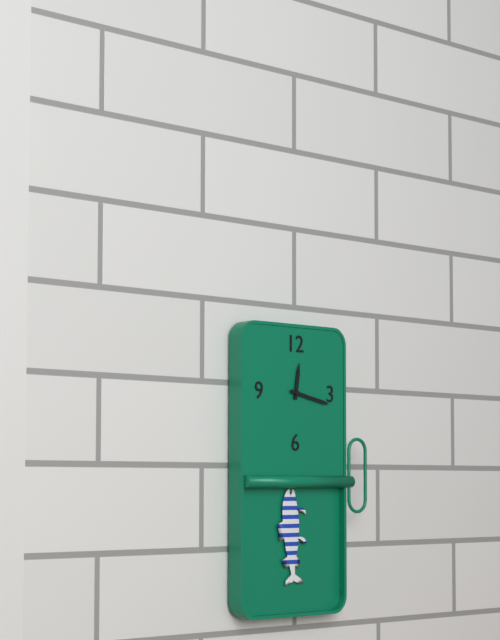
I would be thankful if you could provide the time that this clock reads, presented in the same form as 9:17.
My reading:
12:17
